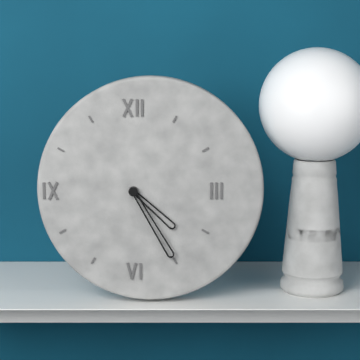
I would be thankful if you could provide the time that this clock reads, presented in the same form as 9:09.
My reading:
4:25
